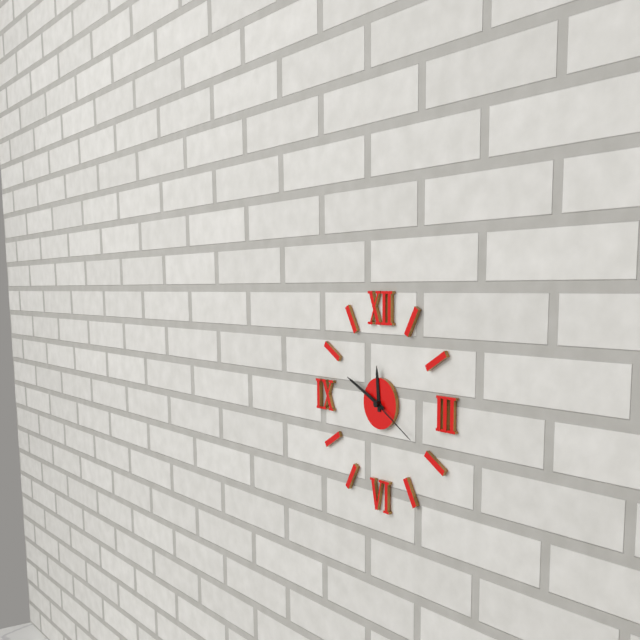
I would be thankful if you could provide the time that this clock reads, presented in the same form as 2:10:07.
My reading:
11:49:20
